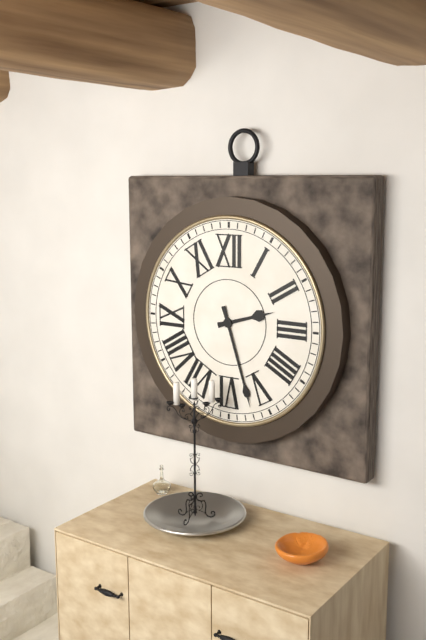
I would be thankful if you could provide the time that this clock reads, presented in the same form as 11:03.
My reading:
2:27
